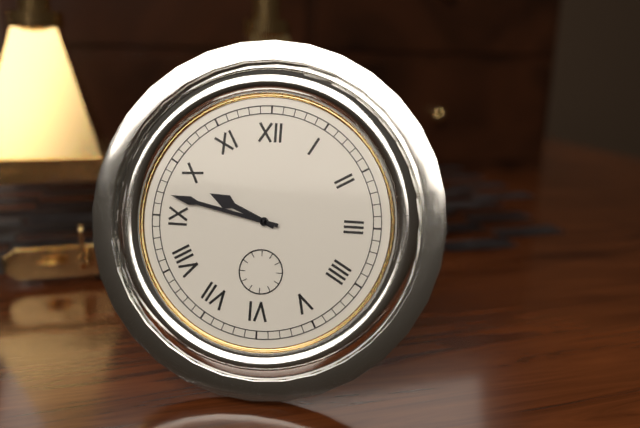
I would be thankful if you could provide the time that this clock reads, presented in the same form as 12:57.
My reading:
9:47
